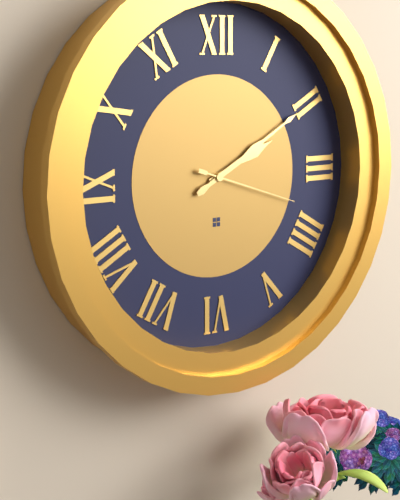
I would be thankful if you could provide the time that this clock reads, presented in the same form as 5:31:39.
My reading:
2:10:18
